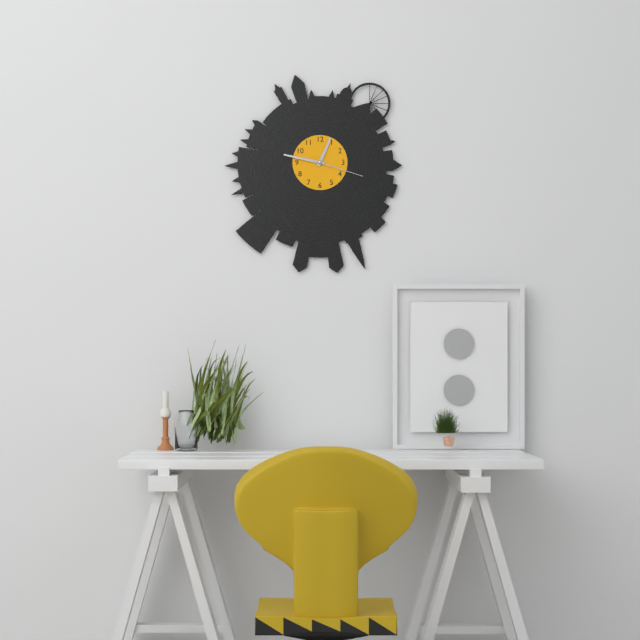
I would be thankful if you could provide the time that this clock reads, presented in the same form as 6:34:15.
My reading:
12:47:18
